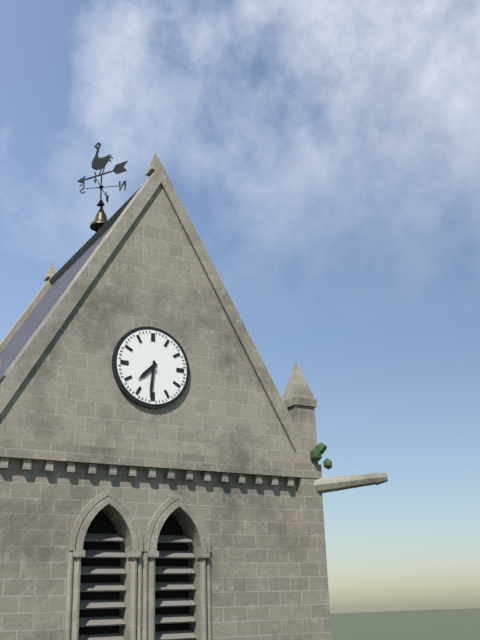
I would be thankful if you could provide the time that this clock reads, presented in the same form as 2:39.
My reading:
7:31
